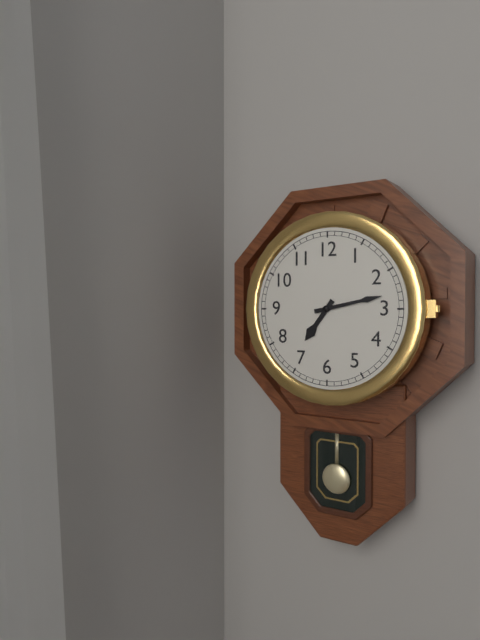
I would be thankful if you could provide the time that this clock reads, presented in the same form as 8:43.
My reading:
7:13
